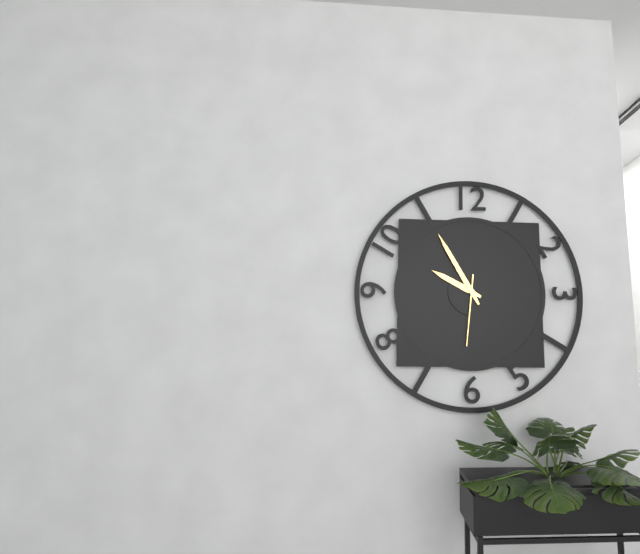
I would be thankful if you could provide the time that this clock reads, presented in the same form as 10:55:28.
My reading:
9:55:31
